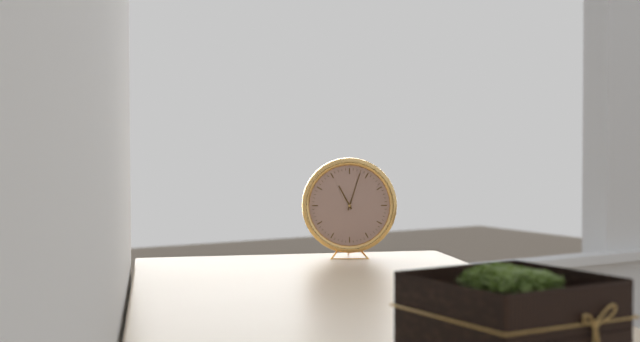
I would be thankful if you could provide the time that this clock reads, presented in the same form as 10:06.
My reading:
11:03
